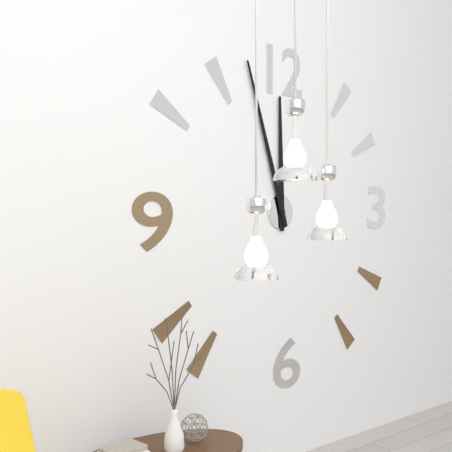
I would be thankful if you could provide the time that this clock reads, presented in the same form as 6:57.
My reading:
11:57
